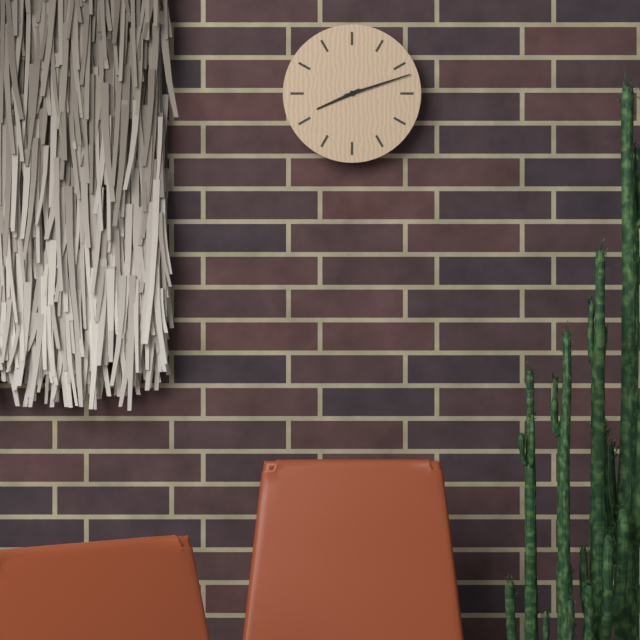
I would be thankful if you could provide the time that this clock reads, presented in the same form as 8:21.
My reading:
8:12
